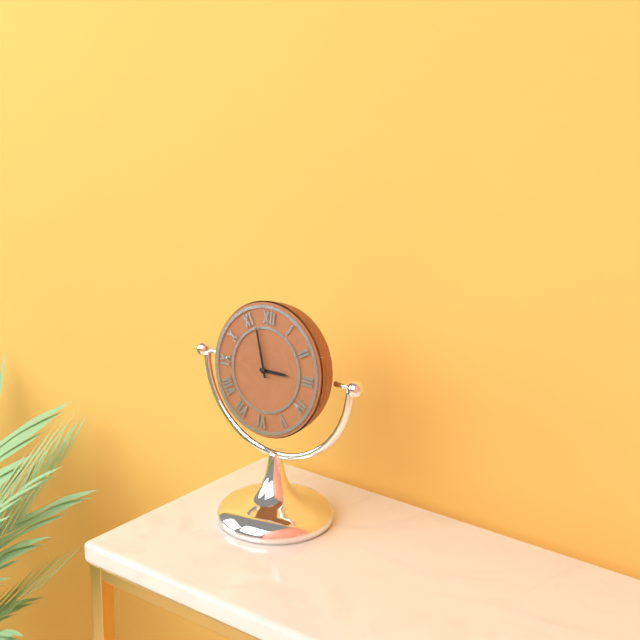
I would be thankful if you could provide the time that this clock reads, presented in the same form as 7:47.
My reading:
2:57
